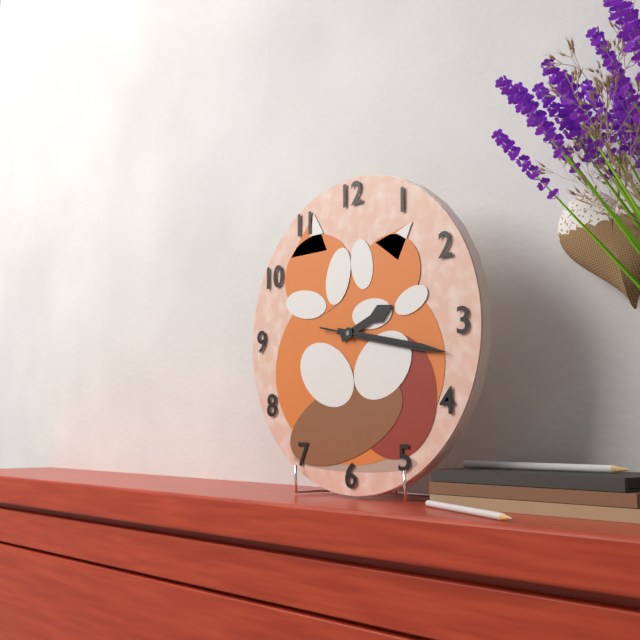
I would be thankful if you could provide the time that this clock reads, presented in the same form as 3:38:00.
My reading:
2:17:17
